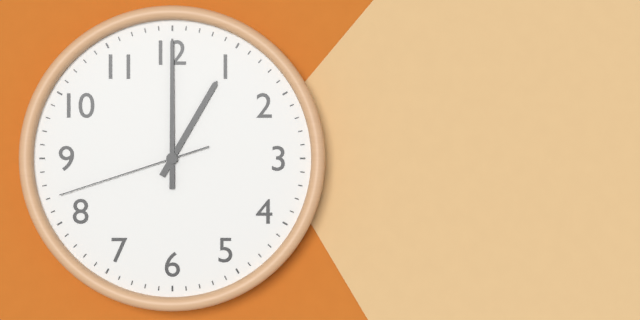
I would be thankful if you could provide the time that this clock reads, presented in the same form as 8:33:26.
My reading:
1:00:42
